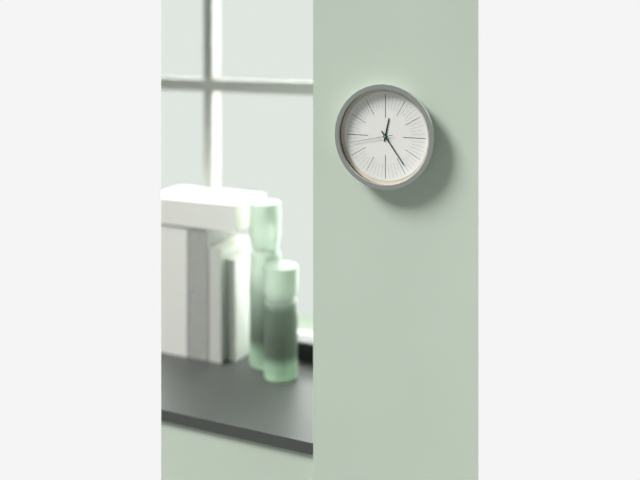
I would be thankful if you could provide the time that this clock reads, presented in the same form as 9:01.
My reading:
12:24
